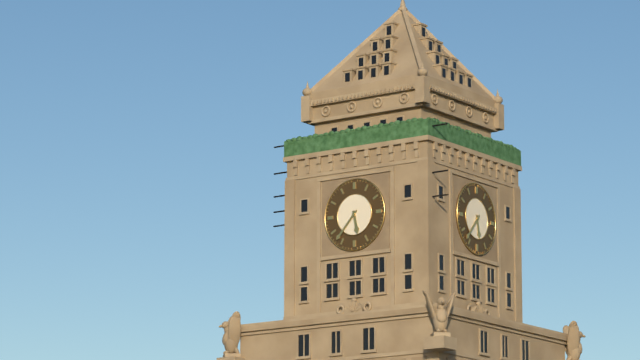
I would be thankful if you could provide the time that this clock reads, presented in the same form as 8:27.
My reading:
5:37
